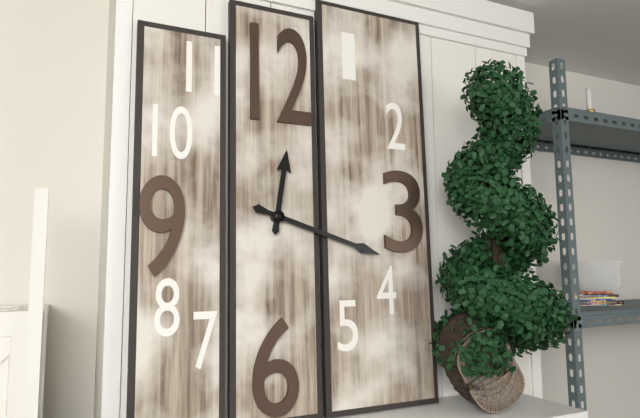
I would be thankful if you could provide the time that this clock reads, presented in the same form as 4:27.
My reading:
12:18
